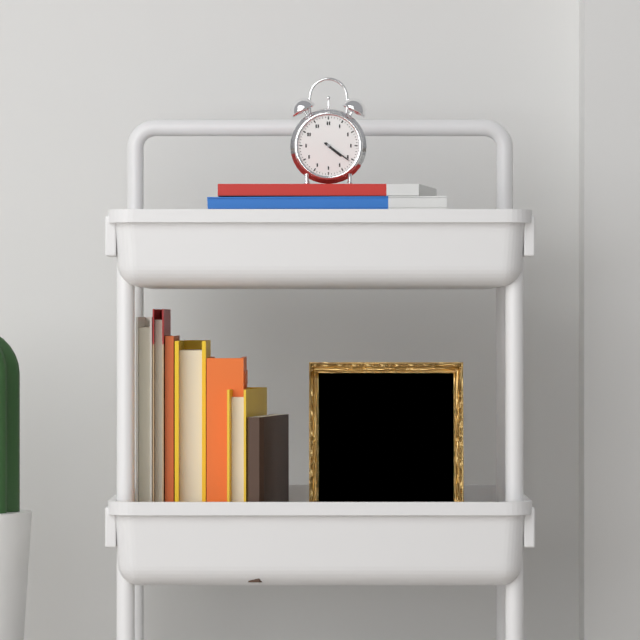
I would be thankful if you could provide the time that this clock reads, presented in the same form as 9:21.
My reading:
4:21
